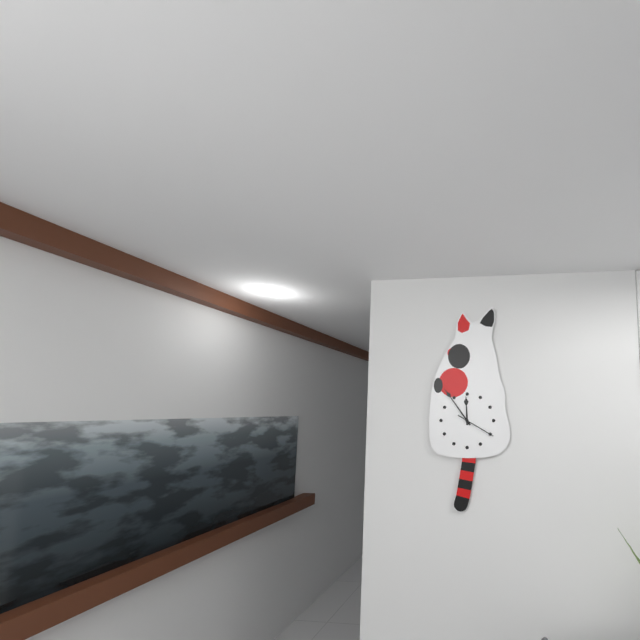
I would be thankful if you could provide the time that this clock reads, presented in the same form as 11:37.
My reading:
11:54
